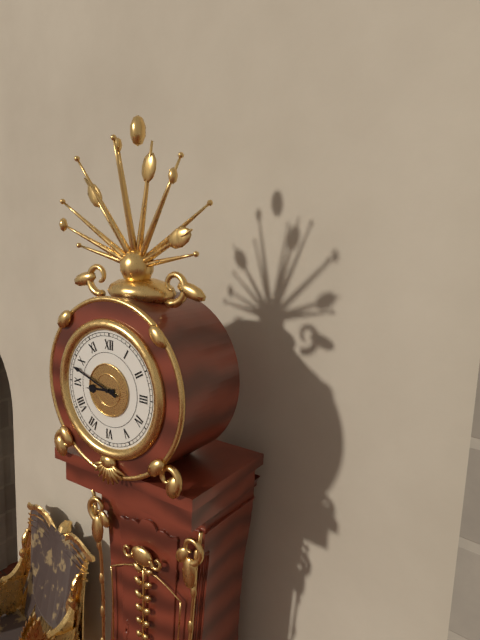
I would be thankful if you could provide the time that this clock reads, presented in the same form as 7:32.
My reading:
8:48
